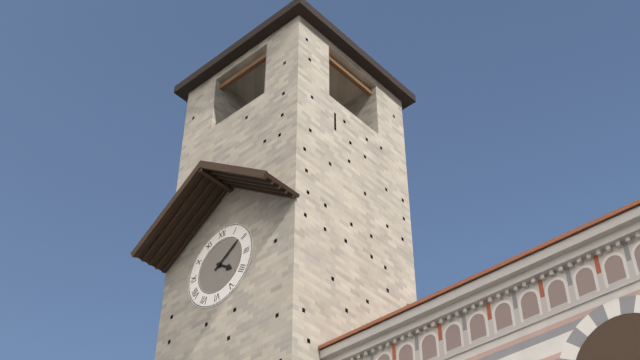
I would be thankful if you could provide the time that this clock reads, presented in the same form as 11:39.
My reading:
4:09
